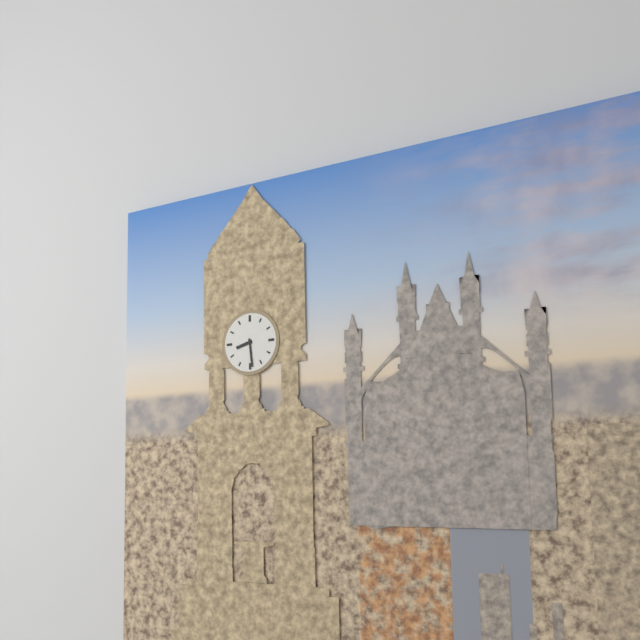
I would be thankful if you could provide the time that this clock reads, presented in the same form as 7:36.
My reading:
8:29
